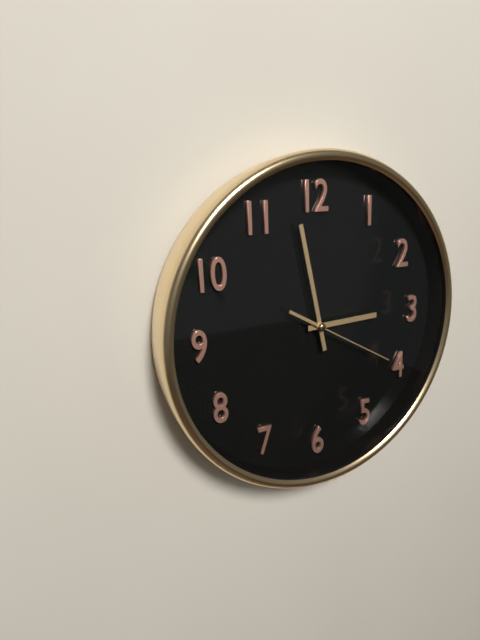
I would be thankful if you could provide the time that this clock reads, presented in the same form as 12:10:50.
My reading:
2:58:20
